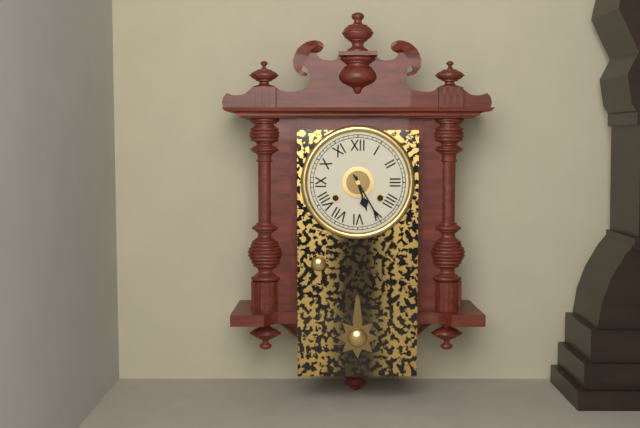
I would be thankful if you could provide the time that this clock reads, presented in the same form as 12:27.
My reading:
5:25
